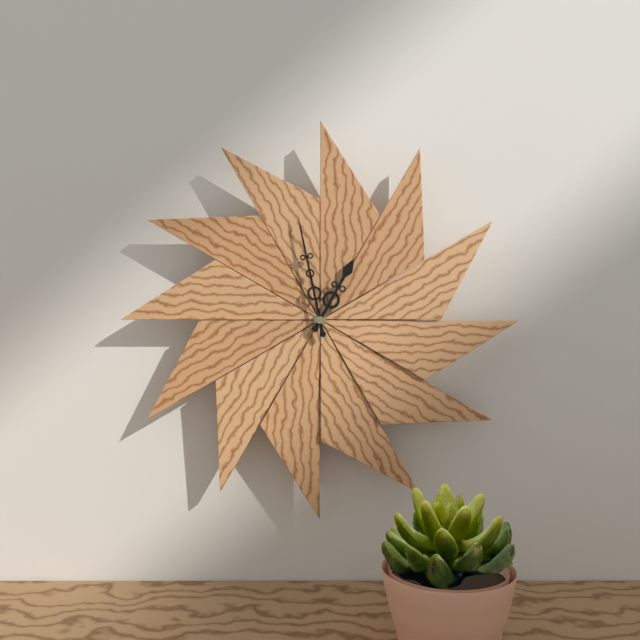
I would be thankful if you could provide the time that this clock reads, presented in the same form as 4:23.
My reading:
12:58
